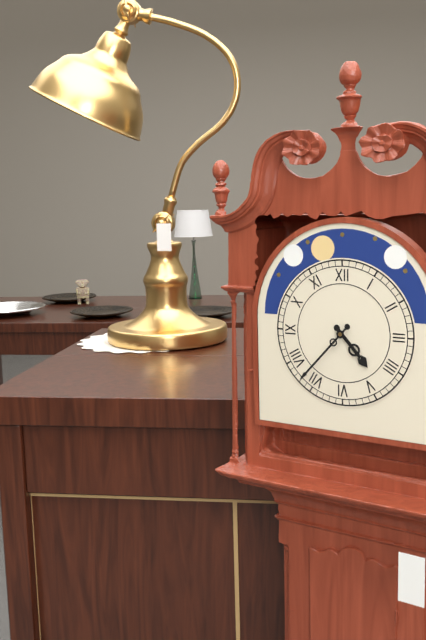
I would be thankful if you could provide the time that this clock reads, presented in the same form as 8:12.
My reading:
4:37
